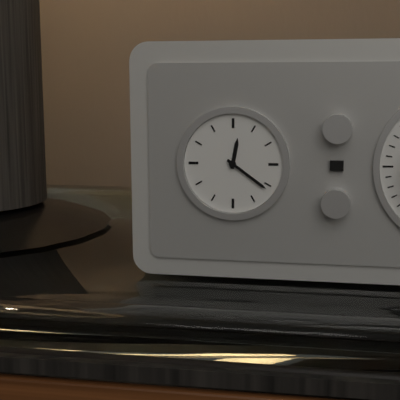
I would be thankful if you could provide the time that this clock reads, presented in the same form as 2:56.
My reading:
12:21
